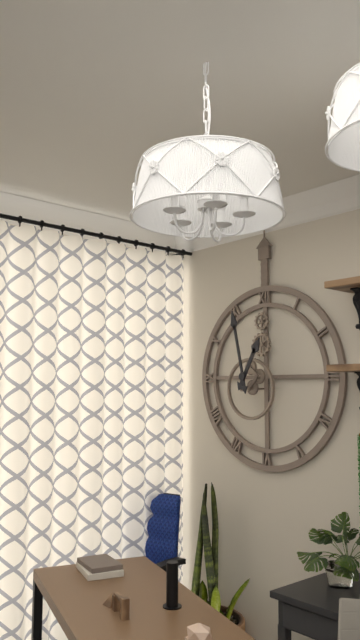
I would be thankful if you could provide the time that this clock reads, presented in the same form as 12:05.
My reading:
12:58
